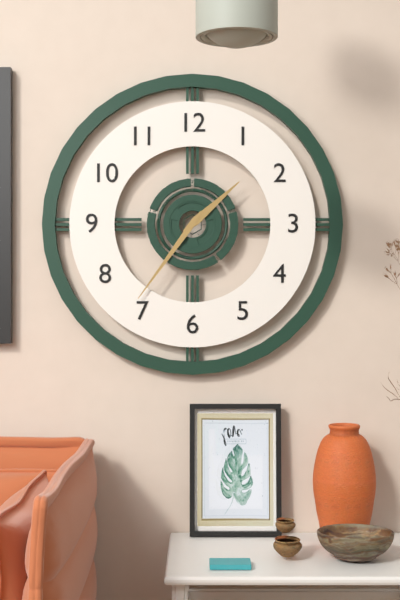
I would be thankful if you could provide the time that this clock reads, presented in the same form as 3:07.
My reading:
1:36
